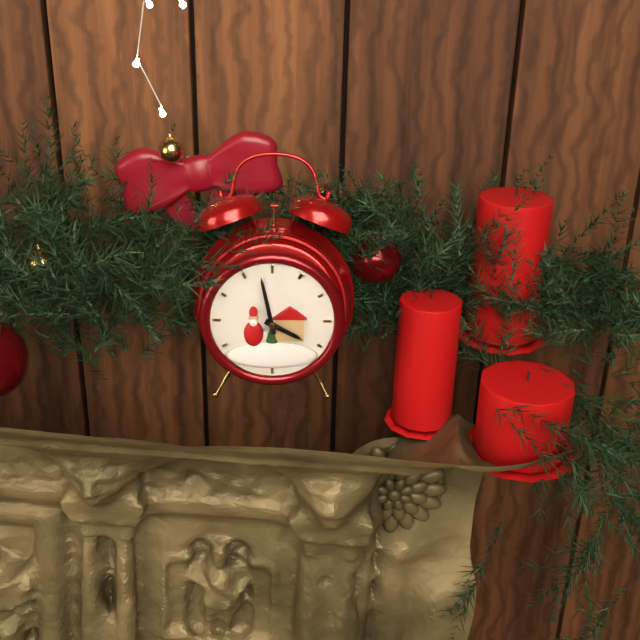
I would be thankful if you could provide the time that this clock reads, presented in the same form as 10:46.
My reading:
3:58
